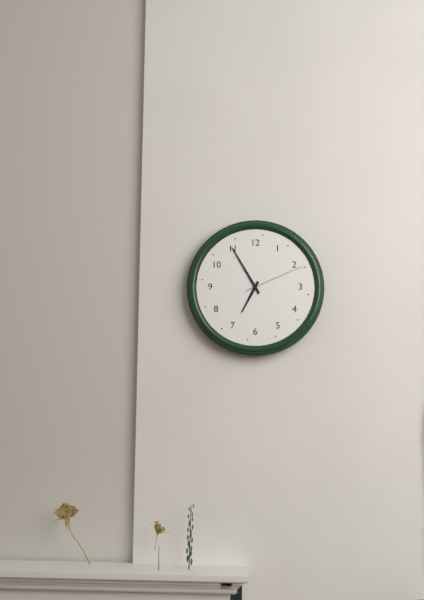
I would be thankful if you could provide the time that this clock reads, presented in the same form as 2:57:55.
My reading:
6:55:11
